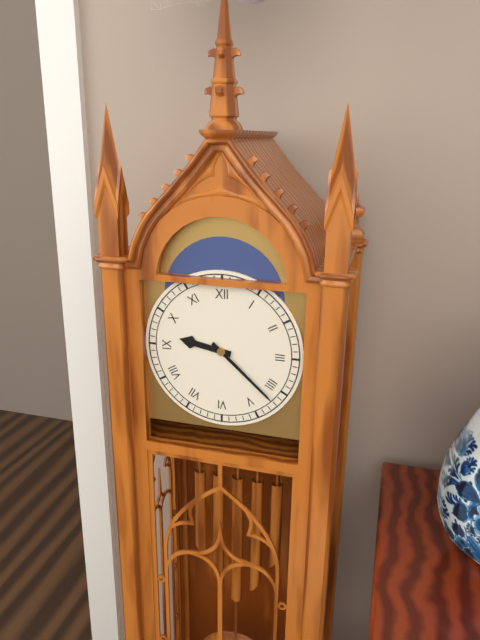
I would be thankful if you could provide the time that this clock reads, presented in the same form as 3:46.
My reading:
9:22
